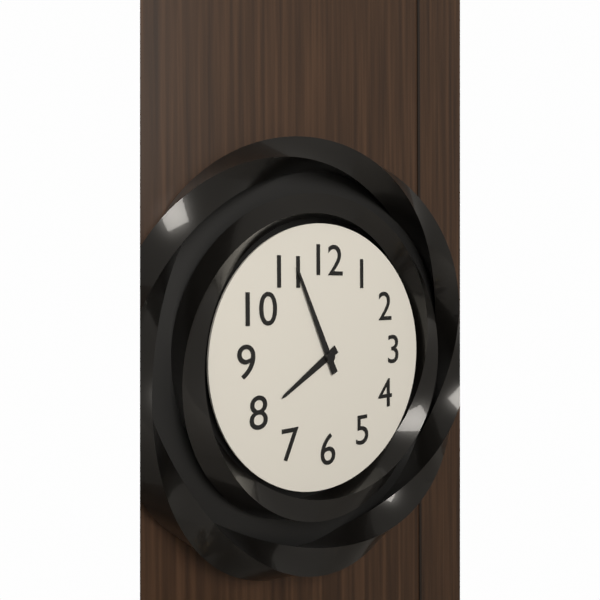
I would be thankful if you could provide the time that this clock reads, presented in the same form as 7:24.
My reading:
7:56
